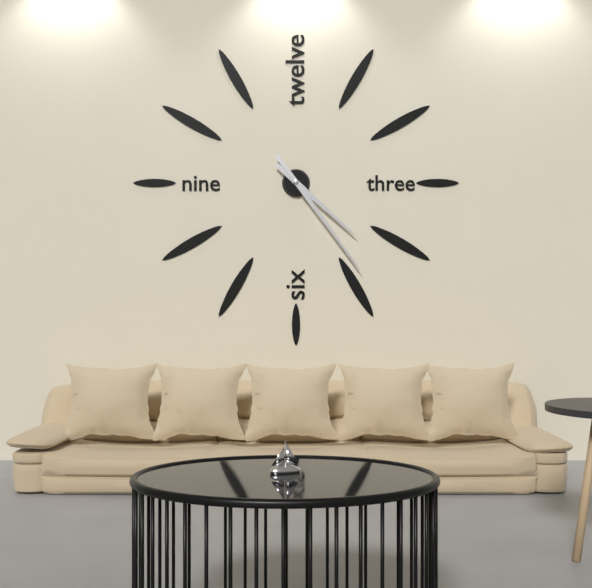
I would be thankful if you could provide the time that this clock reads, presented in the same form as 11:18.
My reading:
4:24
